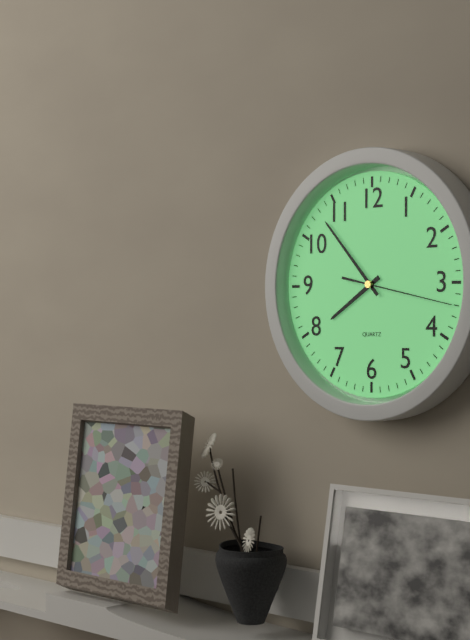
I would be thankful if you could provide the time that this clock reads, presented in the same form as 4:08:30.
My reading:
7:53:17
